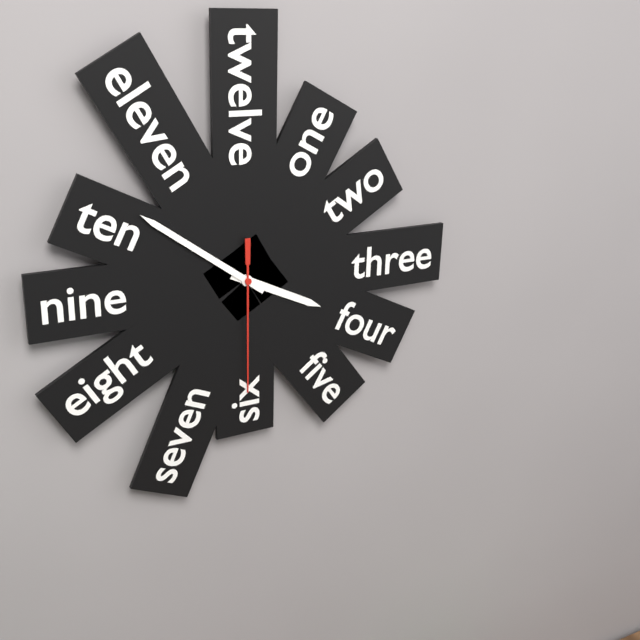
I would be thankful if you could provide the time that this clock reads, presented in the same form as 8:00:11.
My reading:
3:51:30
